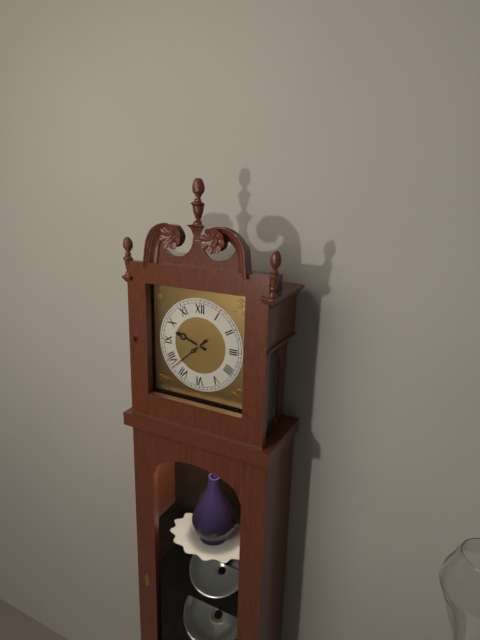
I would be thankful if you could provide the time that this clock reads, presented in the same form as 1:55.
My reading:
9:38
